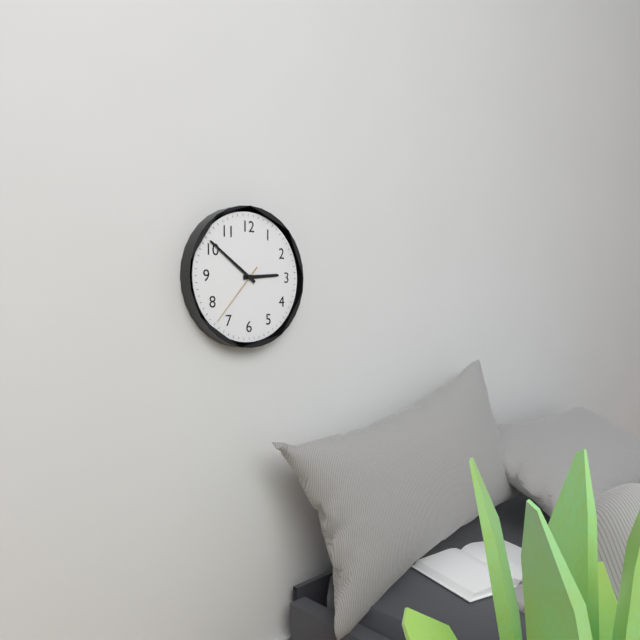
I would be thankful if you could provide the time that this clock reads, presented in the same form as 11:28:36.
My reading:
2:51:37
